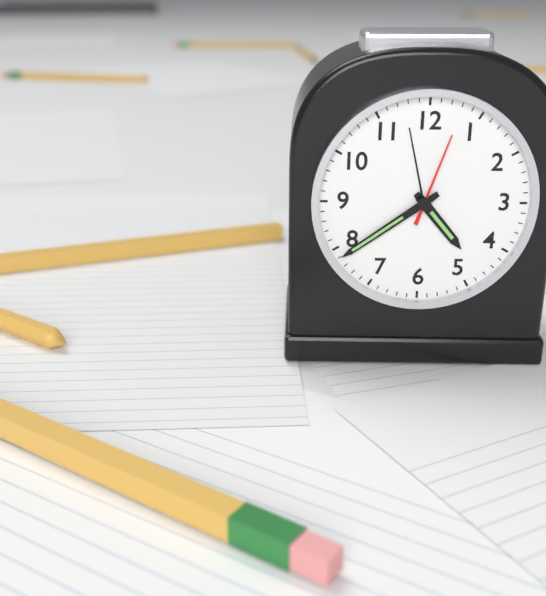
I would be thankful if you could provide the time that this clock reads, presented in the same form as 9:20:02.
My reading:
4:39:03
